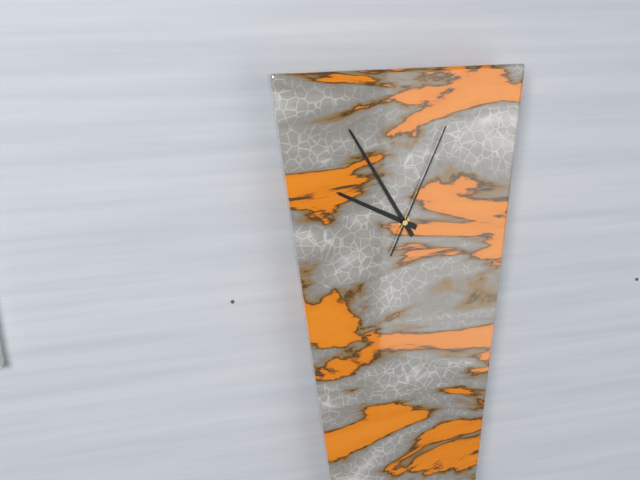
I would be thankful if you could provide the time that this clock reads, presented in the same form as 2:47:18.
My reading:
9:55:04
